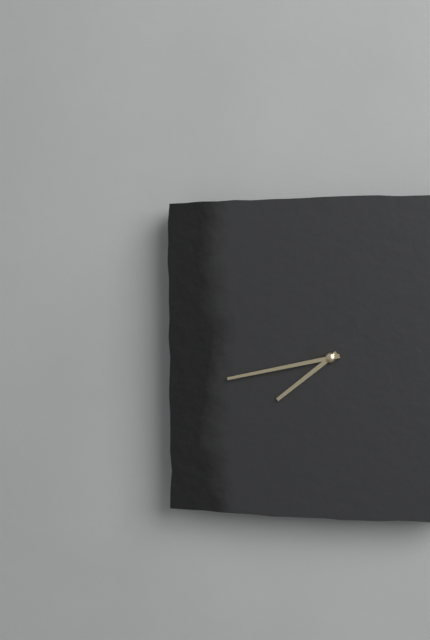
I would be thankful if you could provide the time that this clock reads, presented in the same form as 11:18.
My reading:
7:43
